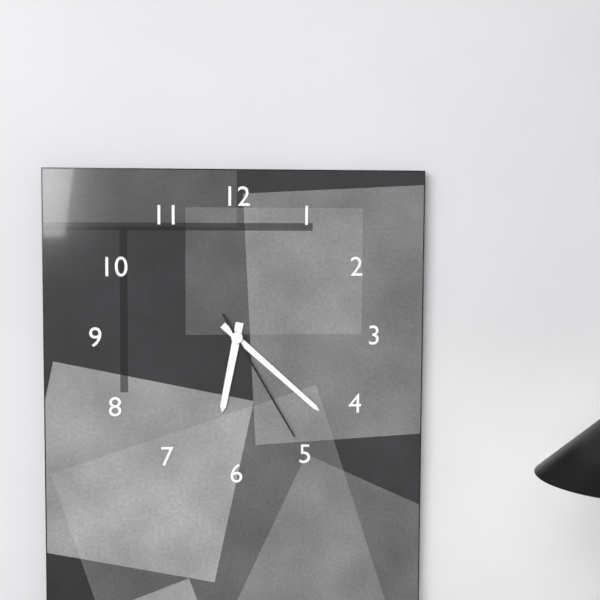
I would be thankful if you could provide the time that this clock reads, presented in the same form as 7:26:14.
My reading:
6:22:25
